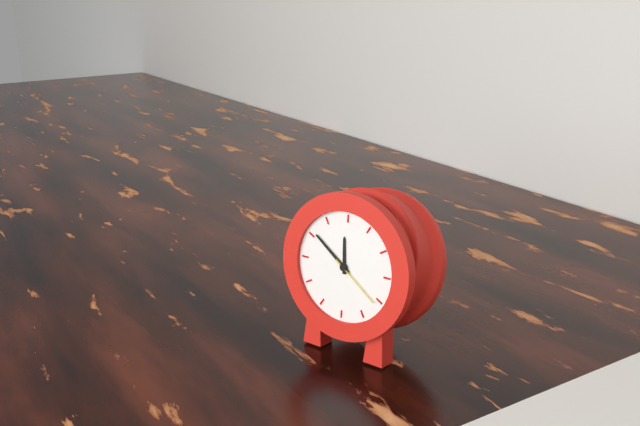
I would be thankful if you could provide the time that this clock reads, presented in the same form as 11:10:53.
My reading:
11:51:21
